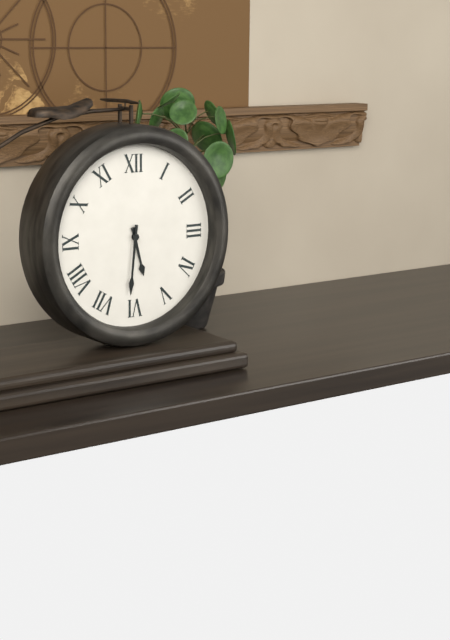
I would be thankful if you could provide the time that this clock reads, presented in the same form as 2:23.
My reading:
5:31
